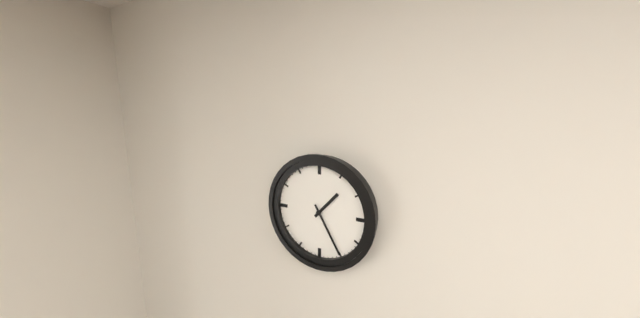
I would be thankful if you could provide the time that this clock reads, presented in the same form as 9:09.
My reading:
1:25
